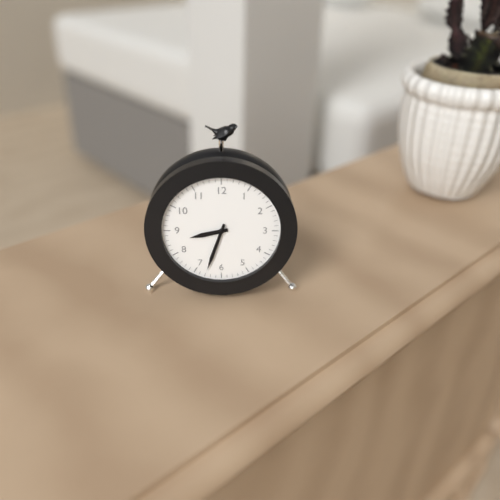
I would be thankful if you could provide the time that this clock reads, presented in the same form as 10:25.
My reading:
8:33
